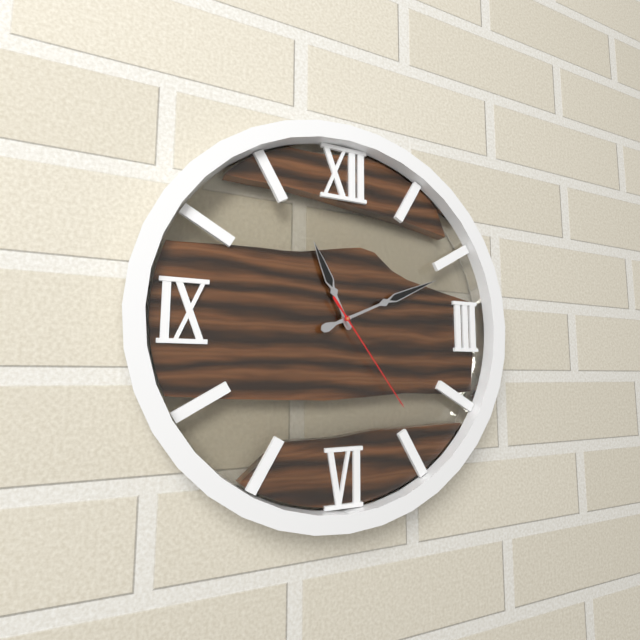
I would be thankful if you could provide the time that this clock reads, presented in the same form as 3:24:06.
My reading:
11:11:24
